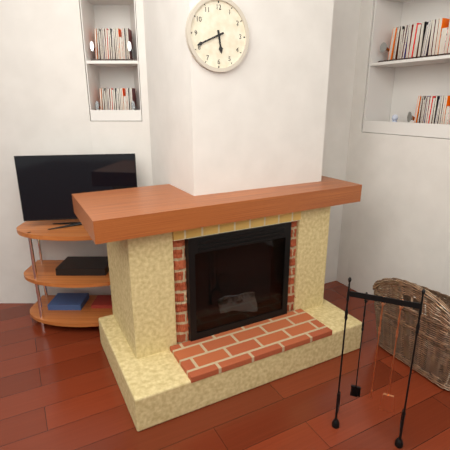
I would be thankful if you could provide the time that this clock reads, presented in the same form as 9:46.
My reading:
5:41
